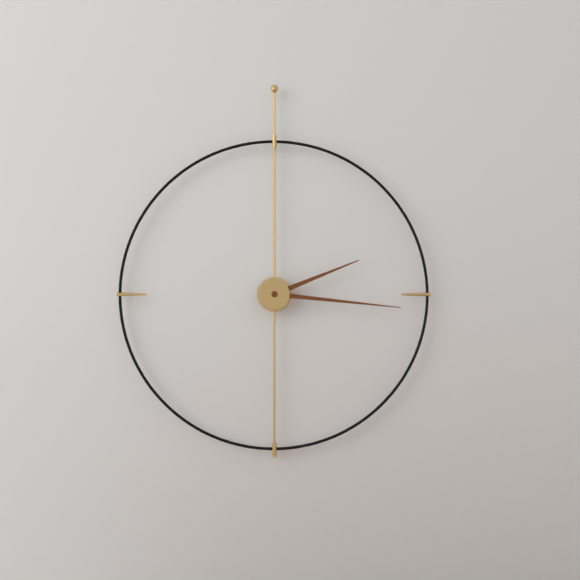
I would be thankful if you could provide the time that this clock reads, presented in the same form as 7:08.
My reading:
2:16
